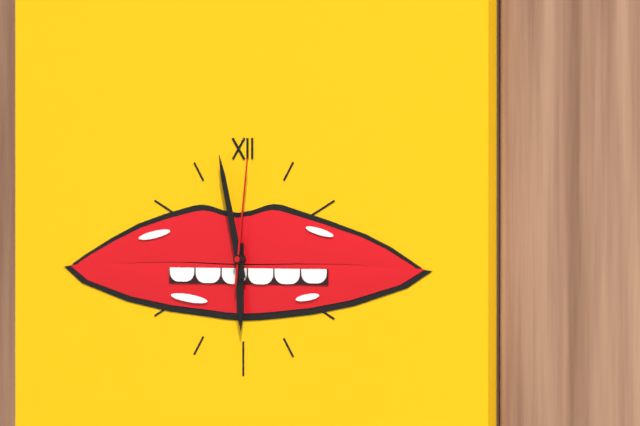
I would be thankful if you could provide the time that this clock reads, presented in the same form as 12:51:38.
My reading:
5:58:01
